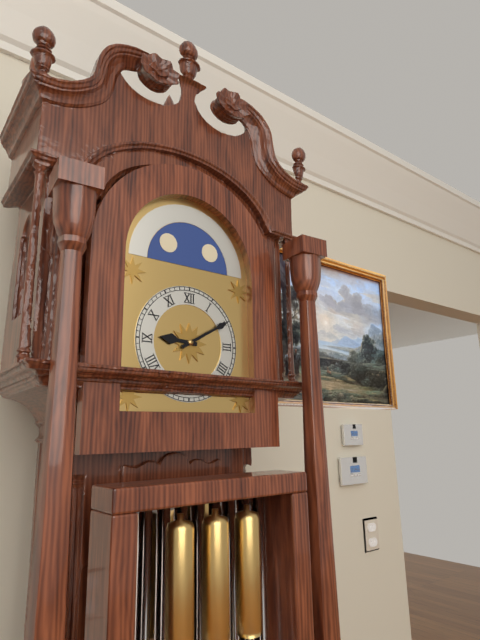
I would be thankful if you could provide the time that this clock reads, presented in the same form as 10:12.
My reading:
9:10
